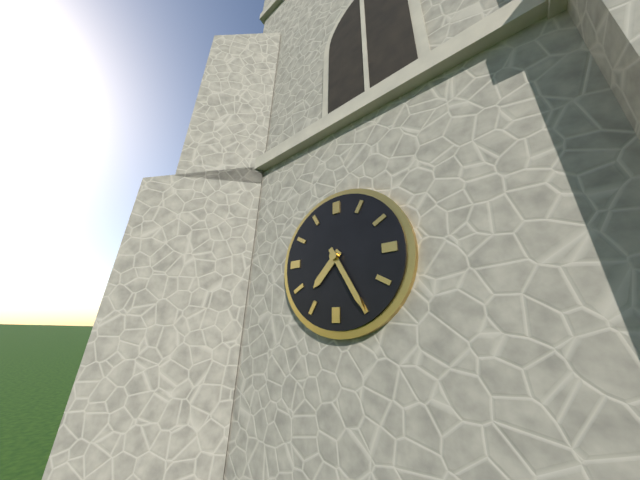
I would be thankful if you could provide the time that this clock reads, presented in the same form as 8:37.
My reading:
7:25
